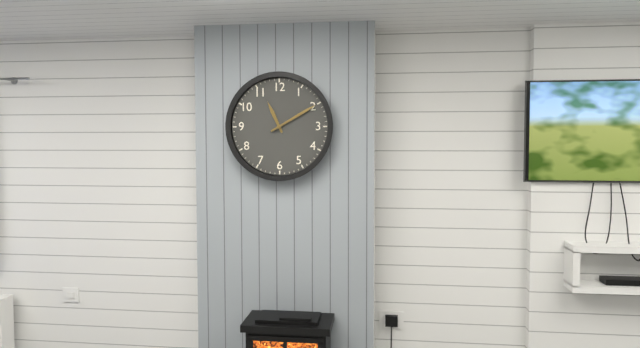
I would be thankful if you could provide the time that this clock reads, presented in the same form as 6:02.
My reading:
11:10
